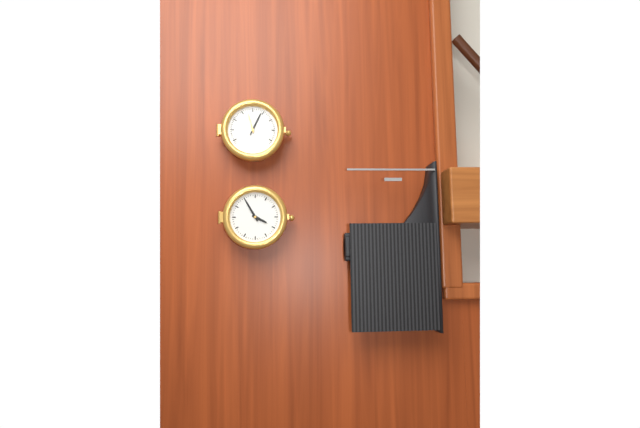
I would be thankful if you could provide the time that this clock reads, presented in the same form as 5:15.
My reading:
3:55
